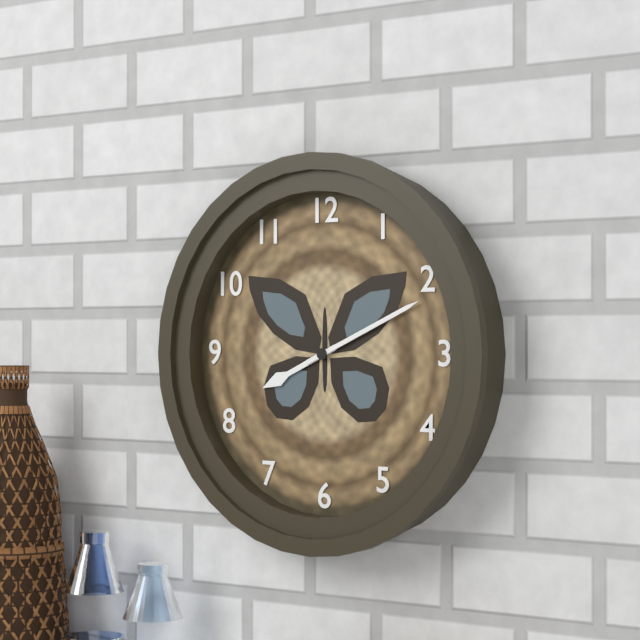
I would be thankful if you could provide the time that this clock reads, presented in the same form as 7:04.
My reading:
8:11
